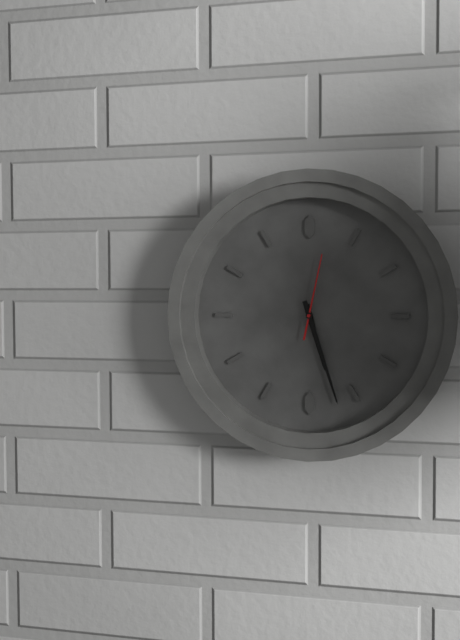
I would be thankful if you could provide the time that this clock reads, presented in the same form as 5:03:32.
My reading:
5:27:02
